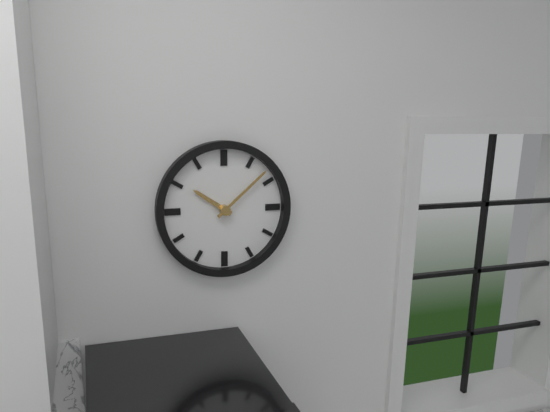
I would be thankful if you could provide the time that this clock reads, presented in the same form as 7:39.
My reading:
10:08
